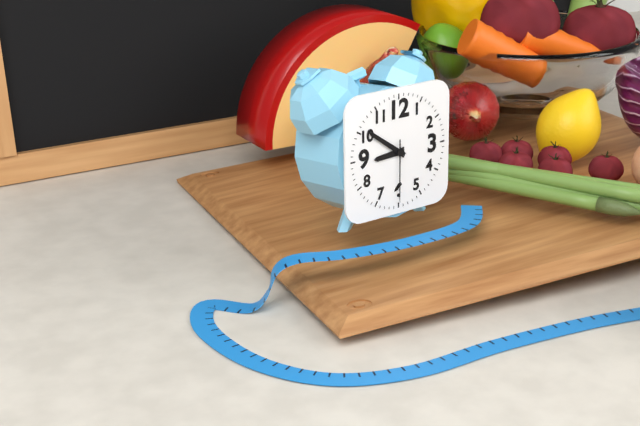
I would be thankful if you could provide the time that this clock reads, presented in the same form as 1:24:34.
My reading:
8:51:30
